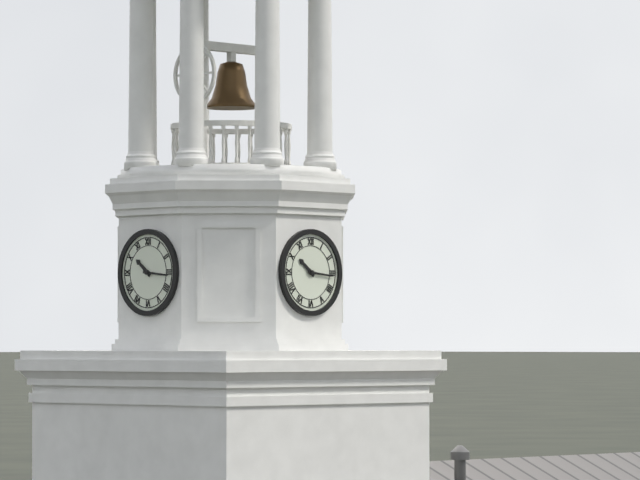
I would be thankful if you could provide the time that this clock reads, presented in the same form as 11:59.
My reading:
10:16
